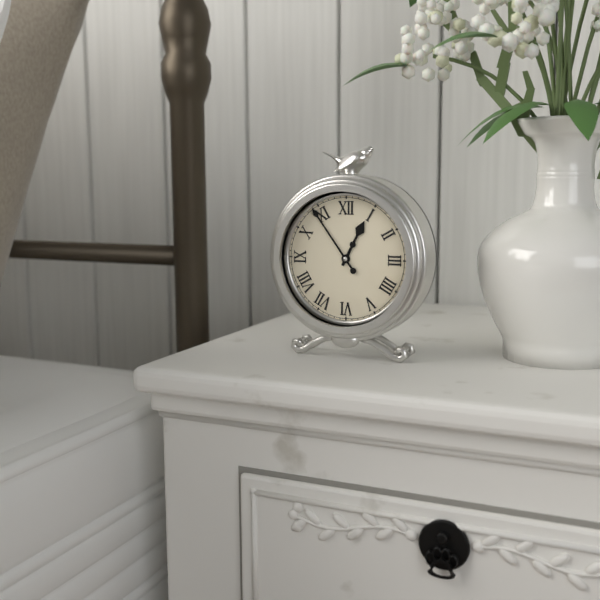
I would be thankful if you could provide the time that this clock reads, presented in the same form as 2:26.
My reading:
12:54
